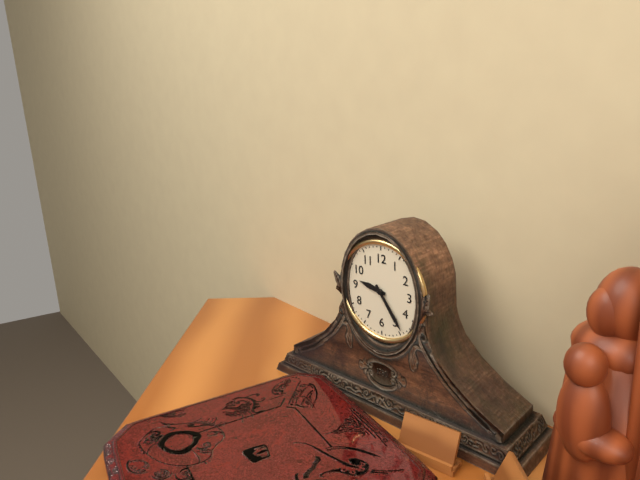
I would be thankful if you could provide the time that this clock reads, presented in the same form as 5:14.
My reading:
9:24
